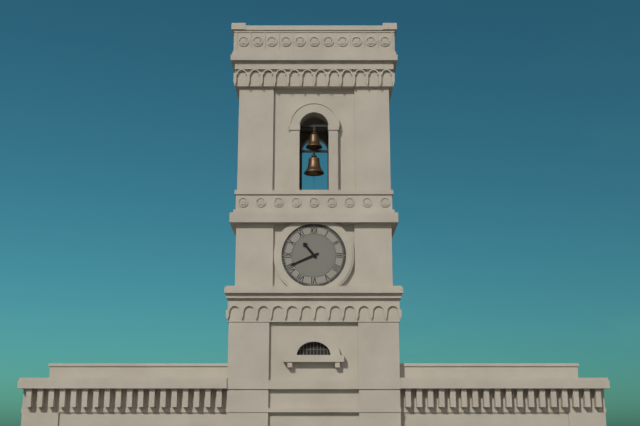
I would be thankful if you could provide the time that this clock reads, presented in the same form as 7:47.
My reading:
10:41
